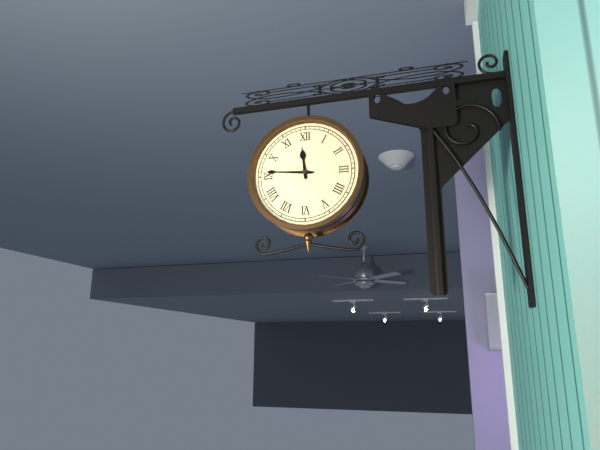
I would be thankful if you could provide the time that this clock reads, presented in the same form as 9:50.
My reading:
11:46
